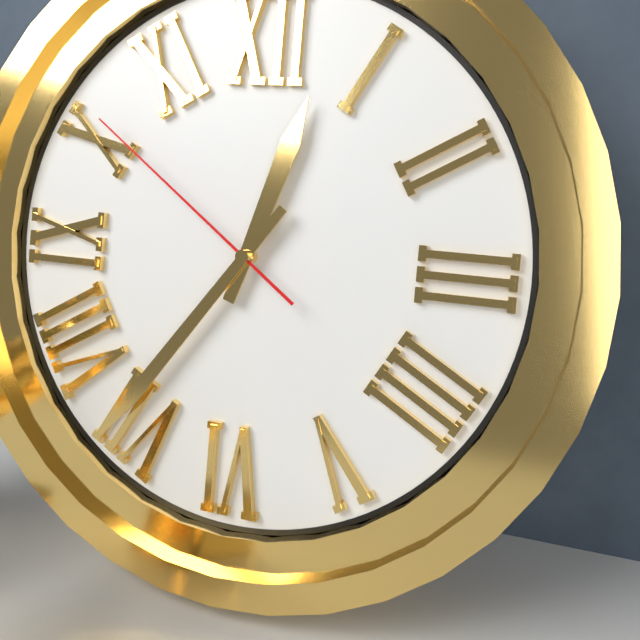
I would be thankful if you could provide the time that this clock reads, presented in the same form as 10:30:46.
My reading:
12:36:51
